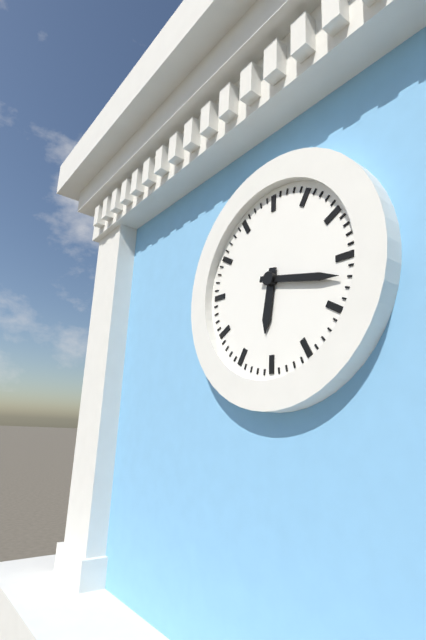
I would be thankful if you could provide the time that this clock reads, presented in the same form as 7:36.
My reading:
6:17
